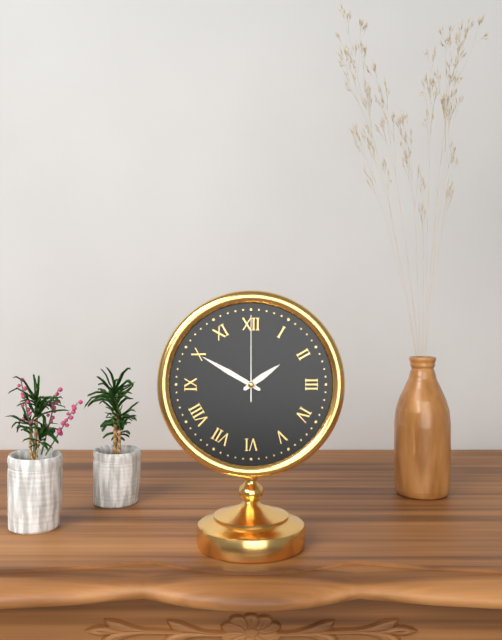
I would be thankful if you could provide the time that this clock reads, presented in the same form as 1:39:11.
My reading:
1:50:00
